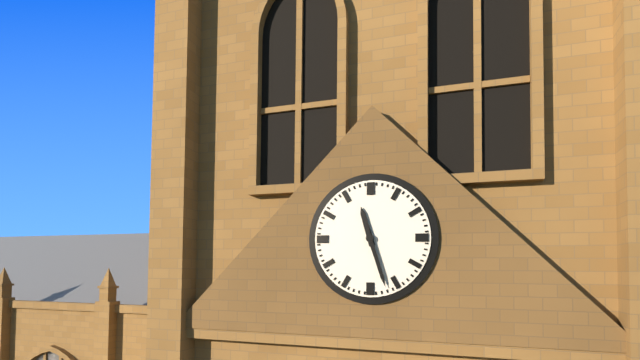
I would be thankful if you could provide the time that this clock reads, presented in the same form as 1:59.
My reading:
11:27
